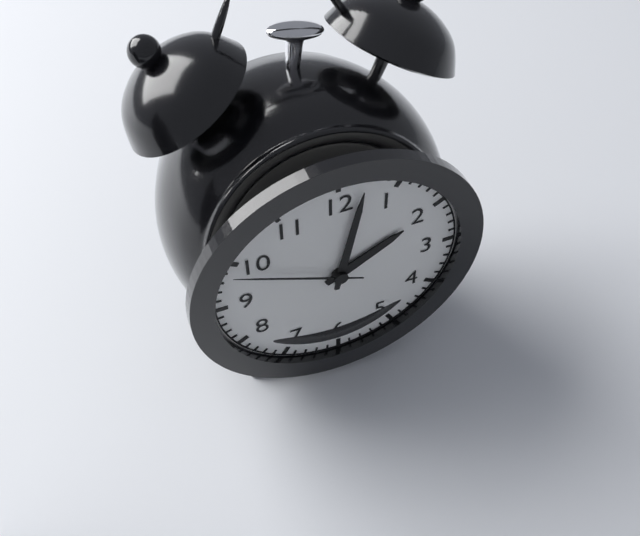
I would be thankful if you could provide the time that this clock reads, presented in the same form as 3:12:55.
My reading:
2:02:49
